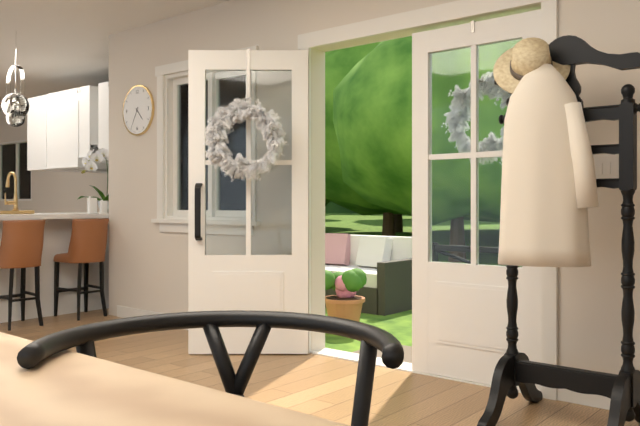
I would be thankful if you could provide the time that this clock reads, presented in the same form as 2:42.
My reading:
4:35
